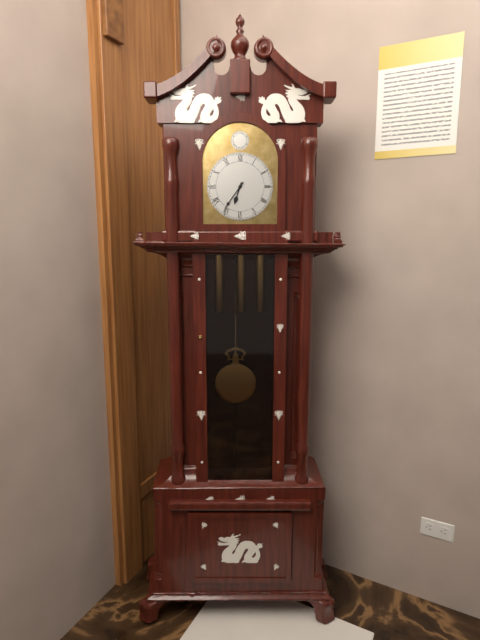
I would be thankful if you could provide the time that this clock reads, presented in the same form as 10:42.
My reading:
6:36
